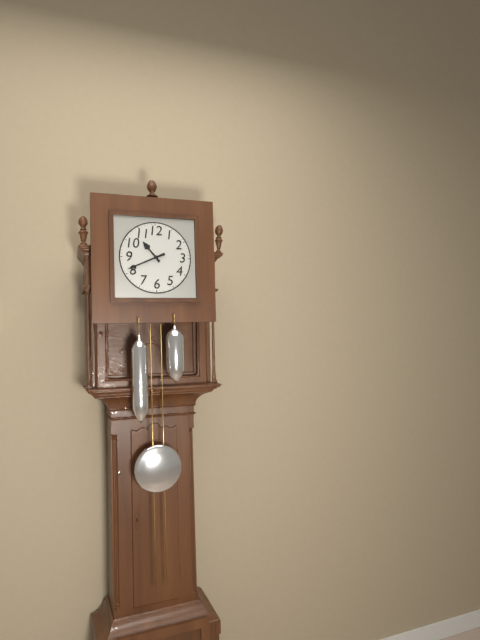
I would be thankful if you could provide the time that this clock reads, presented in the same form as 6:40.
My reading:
10:41
